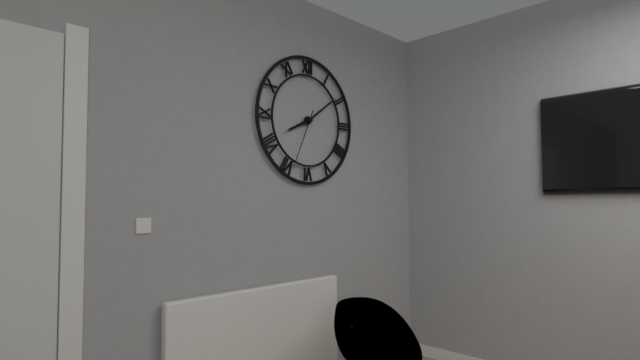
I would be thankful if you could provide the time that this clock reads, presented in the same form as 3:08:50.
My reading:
8:09:34
